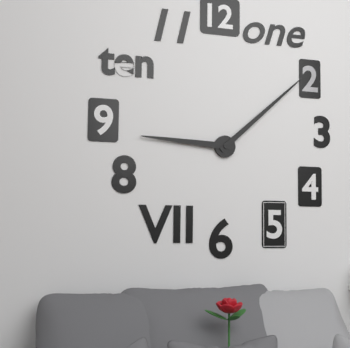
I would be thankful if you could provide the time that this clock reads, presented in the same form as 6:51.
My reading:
9:08
